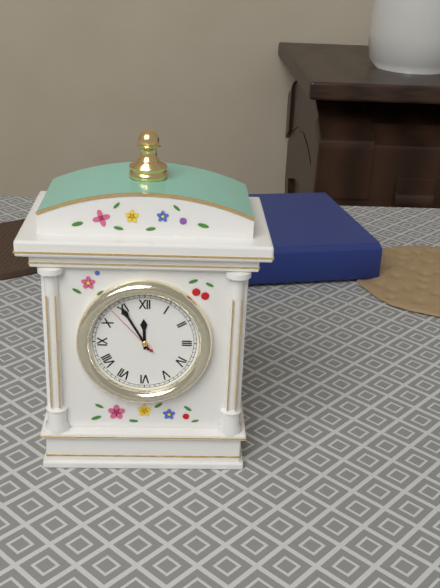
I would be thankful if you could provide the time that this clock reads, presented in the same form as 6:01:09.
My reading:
11:55:53
